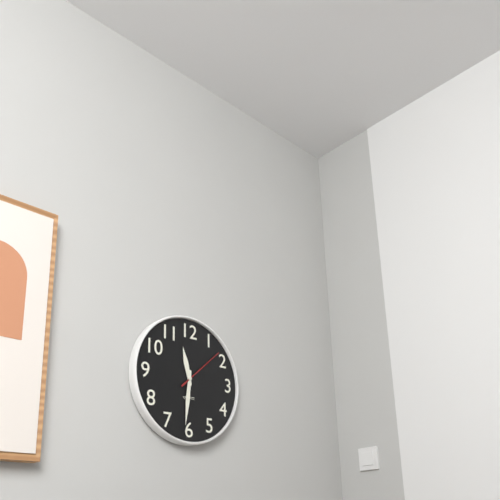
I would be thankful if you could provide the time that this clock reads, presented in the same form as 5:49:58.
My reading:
11:31:08
